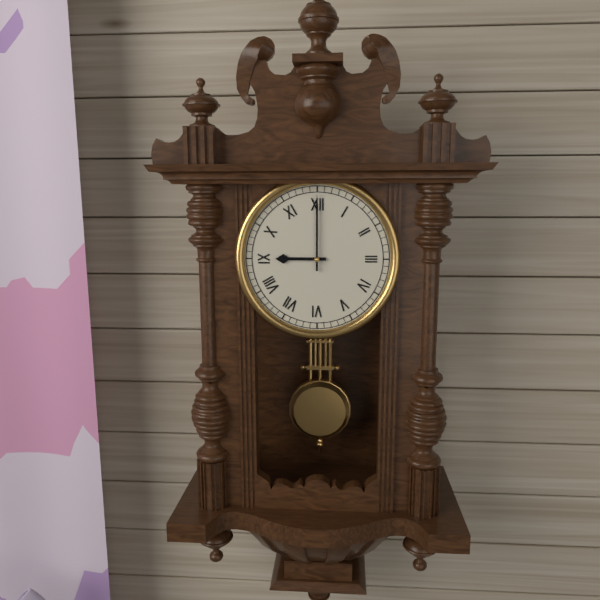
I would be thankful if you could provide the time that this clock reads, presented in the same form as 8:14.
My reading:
9:00
